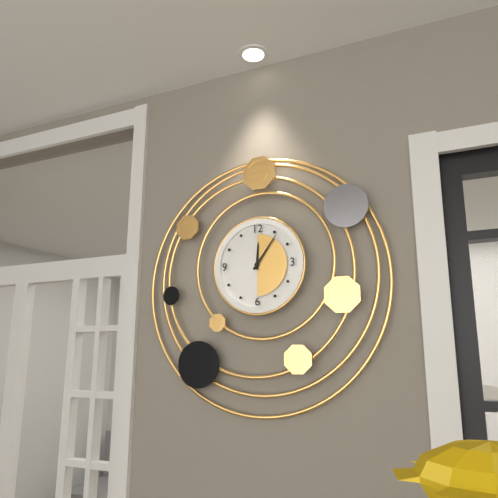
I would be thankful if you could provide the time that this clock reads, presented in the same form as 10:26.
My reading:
12:06
